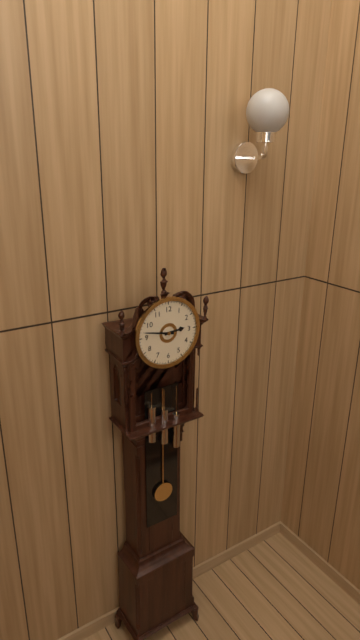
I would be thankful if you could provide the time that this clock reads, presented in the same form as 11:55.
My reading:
2:47
